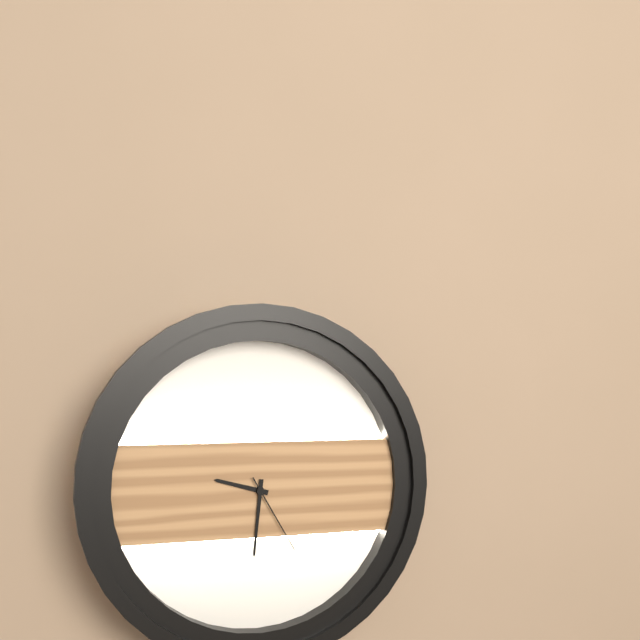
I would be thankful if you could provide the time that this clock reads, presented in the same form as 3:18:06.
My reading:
9:31:25
